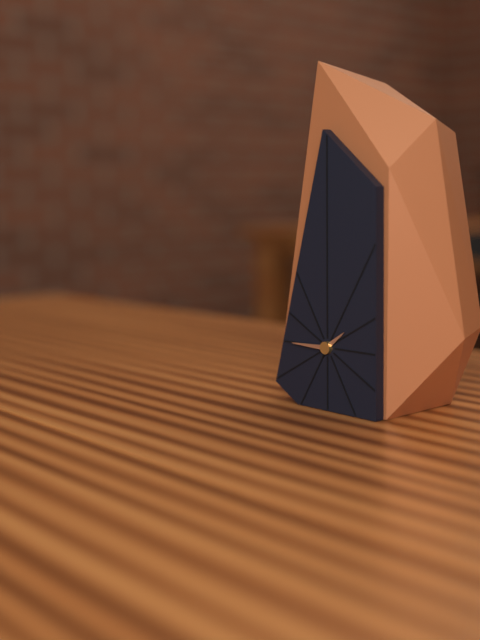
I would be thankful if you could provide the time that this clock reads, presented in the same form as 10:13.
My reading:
1:45
